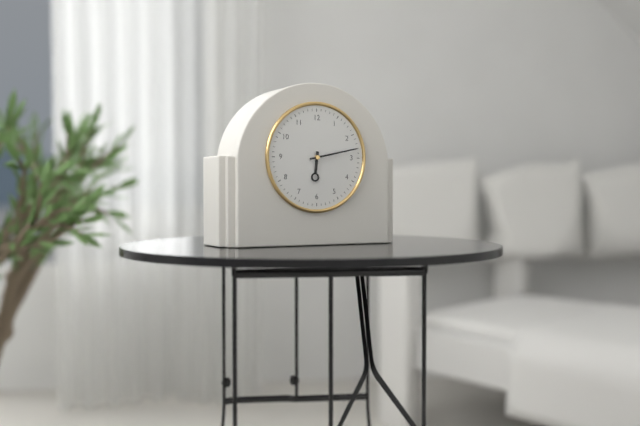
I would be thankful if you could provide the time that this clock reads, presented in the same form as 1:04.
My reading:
6:13
